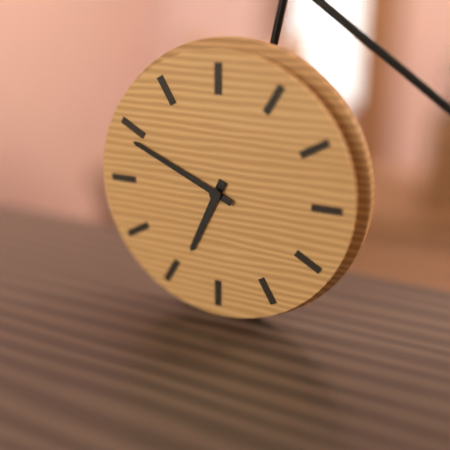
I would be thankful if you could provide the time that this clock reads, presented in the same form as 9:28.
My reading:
6:49
